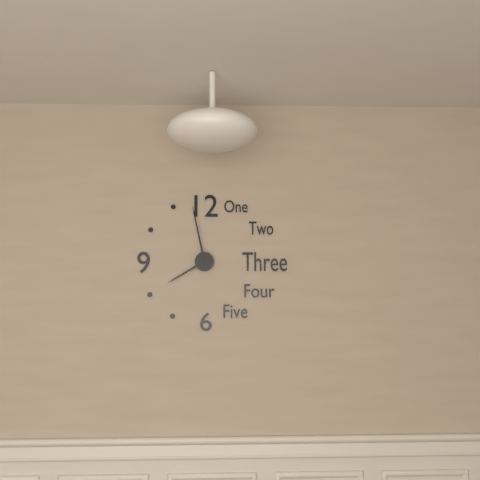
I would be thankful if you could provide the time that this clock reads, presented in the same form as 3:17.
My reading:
7:58
